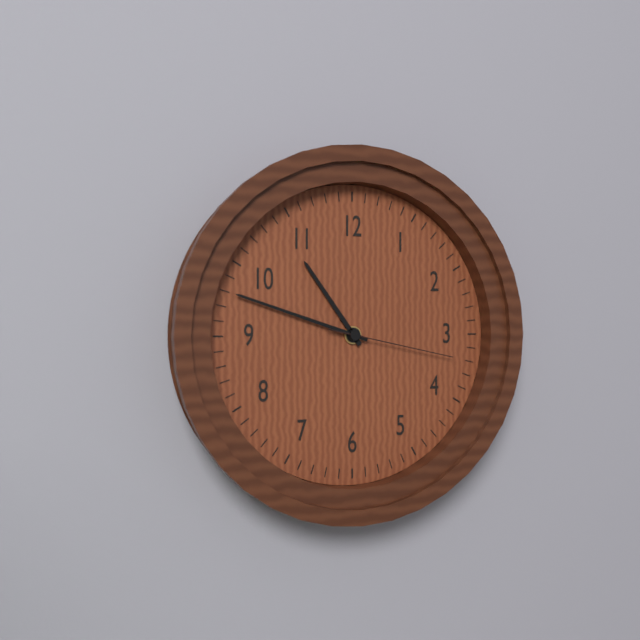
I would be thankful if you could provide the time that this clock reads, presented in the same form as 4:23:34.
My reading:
10:48:17
